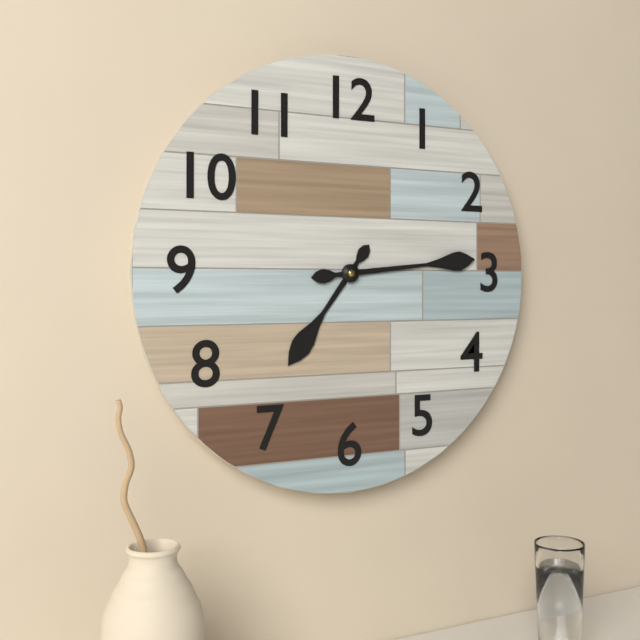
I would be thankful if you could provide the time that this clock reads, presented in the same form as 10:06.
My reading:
7:14
